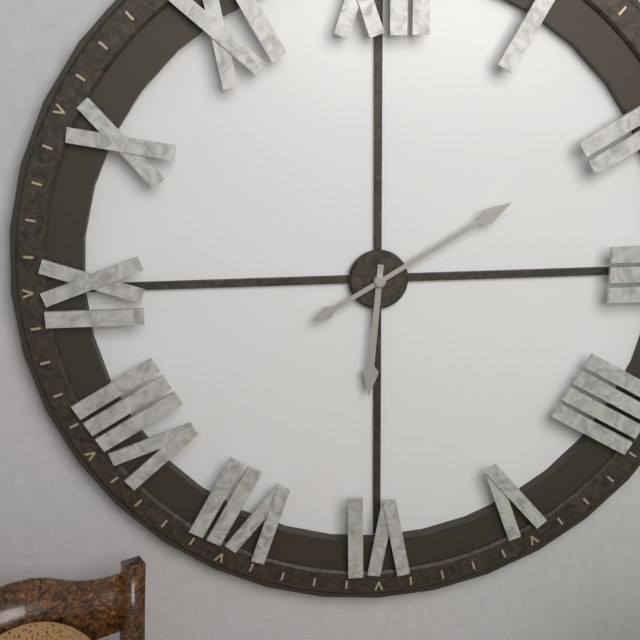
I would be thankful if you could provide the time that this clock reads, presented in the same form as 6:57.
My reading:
6:10
